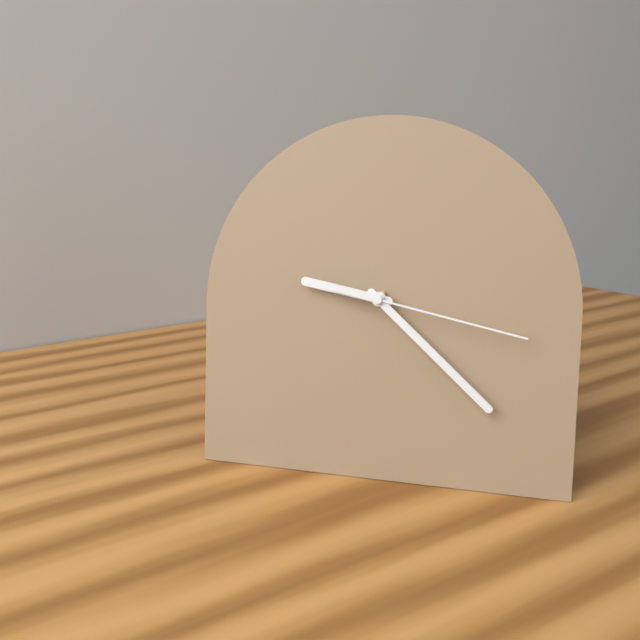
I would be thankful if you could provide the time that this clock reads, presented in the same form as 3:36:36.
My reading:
9:22:17
